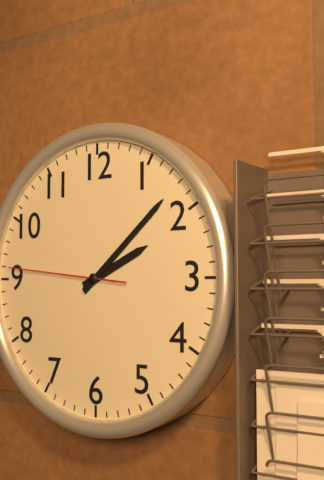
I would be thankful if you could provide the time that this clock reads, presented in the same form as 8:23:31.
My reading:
2:08:46
